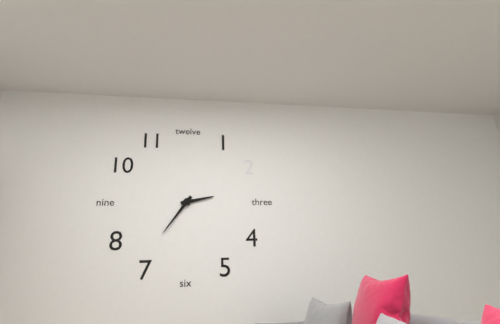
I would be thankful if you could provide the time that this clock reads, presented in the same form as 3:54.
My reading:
2:36
